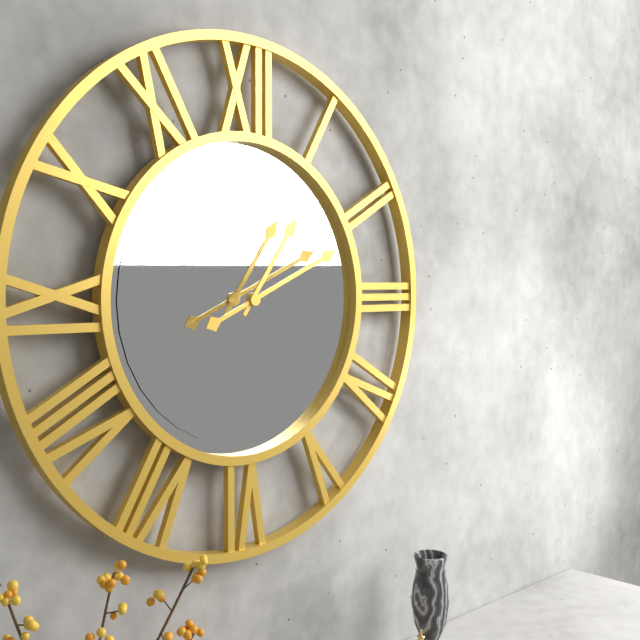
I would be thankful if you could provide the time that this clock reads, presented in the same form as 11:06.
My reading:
1:11
